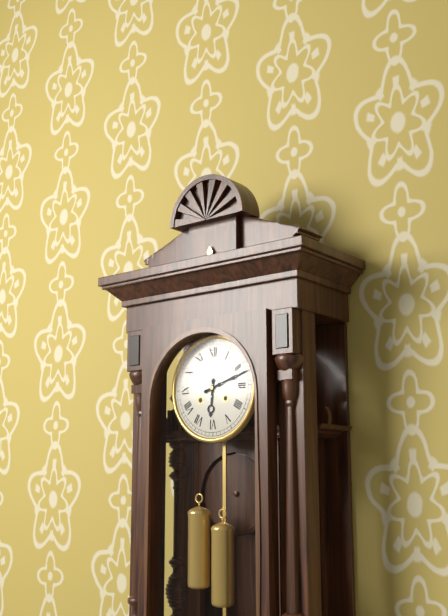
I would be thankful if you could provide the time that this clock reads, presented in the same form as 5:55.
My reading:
6:12
